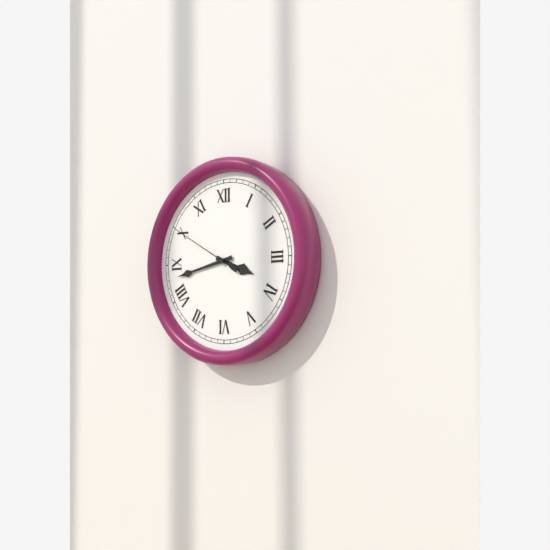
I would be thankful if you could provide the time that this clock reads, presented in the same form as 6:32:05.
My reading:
3:43:50
